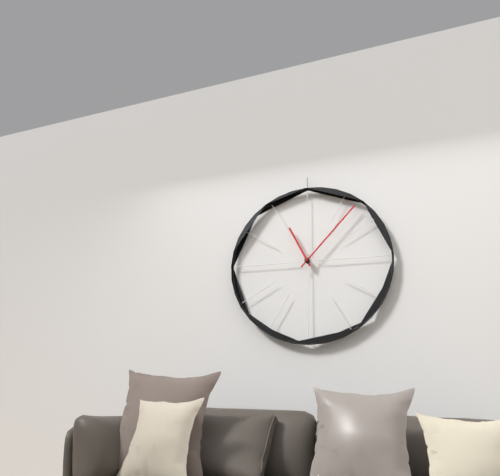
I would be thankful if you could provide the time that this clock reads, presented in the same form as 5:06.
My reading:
11:07
